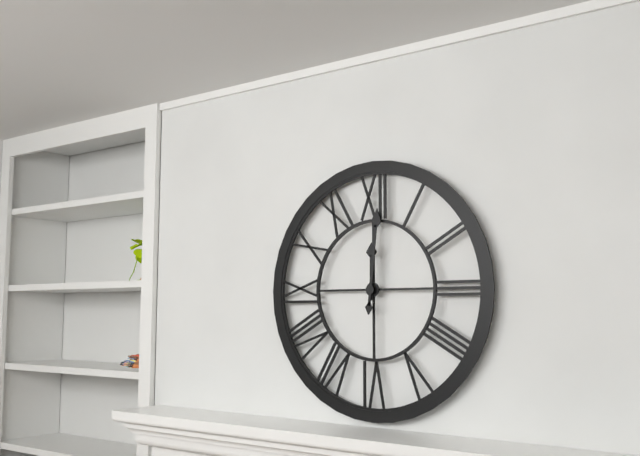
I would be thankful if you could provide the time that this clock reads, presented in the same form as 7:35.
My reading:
12:01
